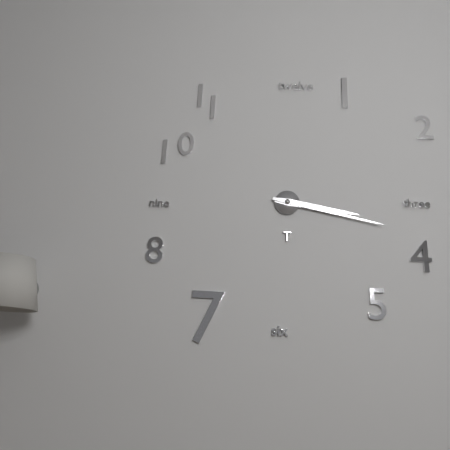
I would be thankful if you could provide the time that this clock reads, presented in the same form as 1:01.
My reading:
3:17
